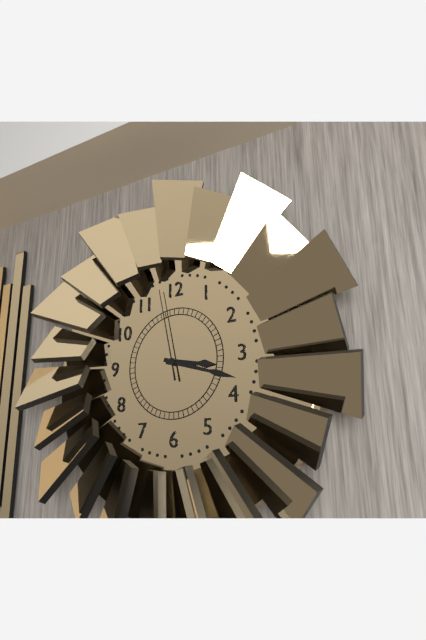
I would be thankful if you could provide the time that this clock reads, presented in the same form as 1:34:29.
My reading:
3:18:58
